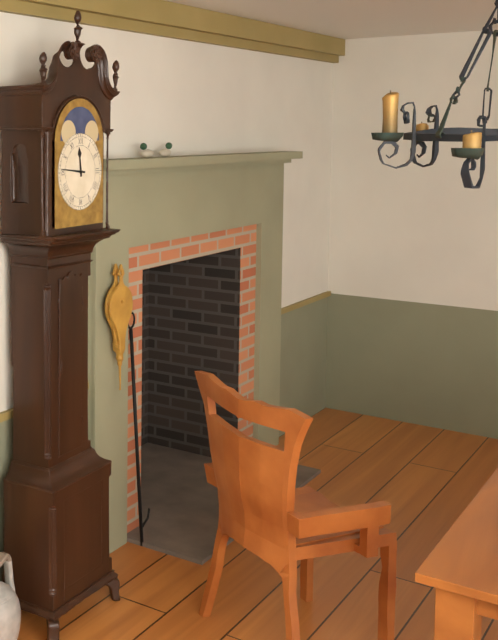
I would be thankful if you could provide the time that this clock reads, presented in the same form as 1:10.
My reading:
11:46
